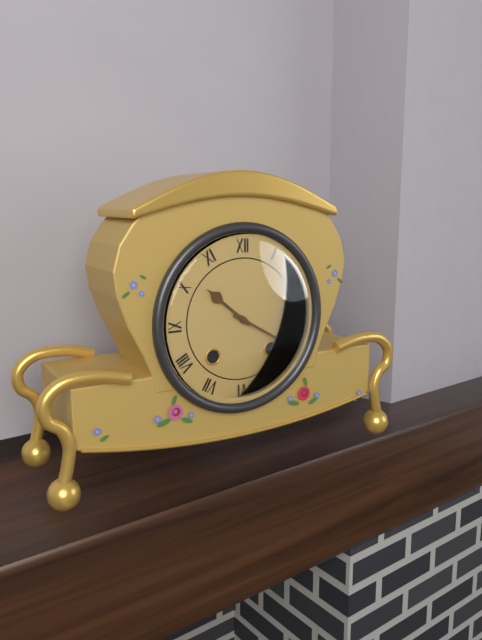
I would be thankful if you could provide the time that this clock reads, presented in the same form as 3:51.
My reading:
10:20
